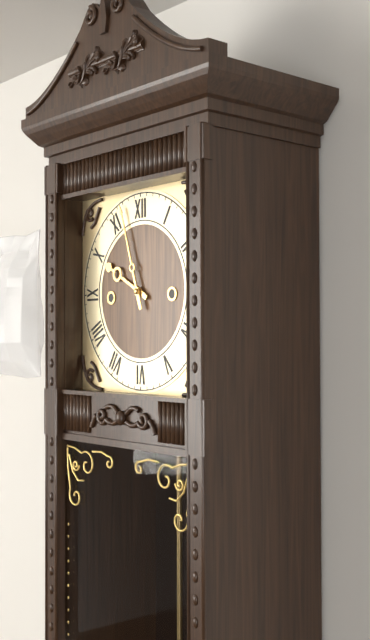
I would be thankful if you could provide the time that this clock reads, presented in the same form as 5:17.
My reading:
9:57
